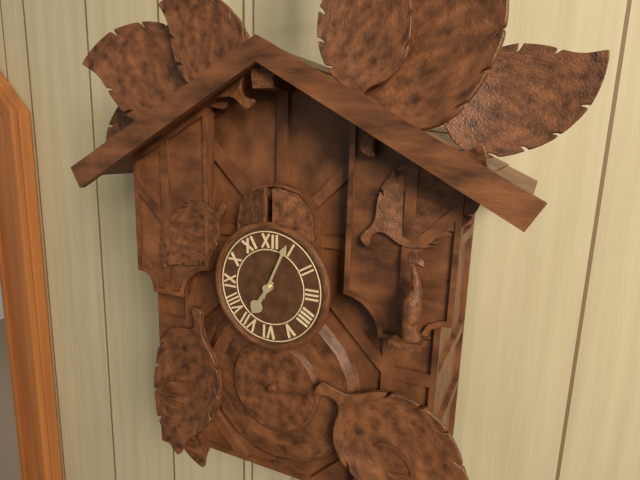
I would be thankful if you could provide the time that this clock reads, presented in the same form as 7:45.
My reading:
7:04
